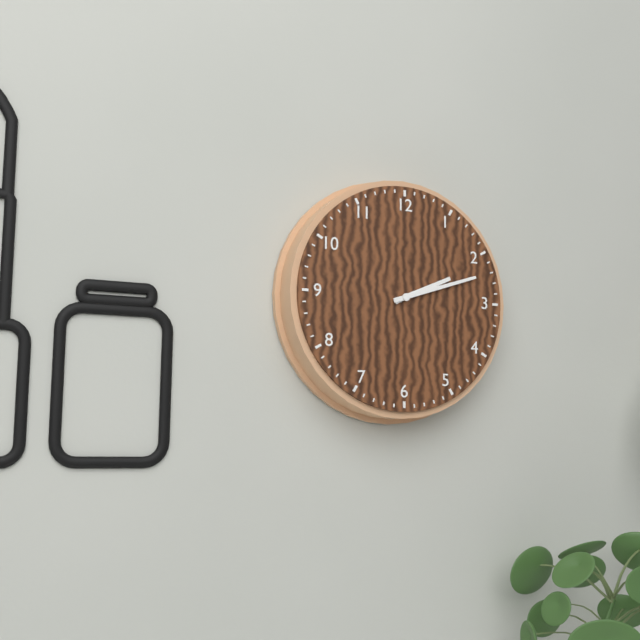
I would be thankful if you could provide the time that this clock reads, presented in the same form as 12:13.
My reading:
2:12
